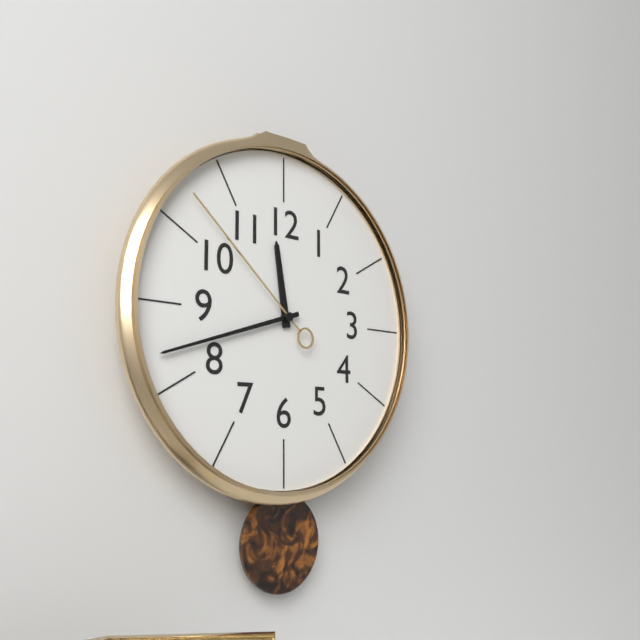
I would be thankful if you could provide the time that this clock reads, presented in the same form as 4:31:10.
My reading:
11:42:52
